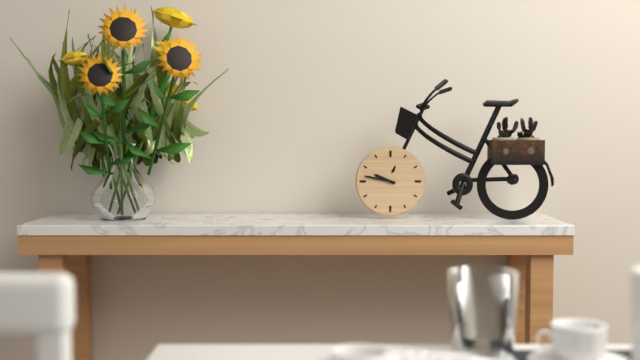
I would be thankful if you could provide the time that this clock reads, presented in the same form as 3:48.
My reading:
9:47
